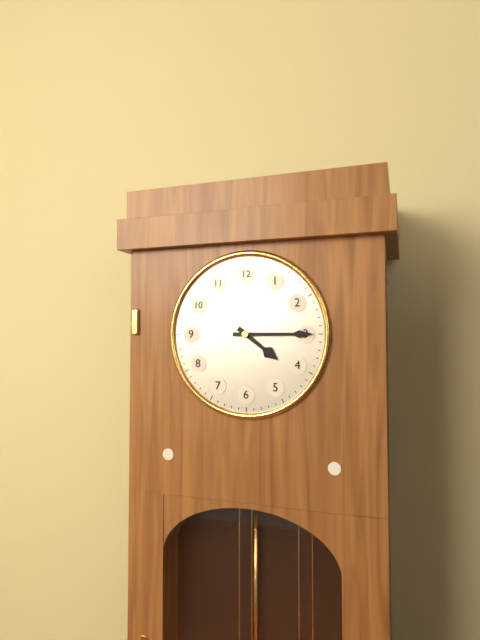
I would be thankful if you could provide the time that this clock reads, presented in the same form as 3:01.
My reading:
4:15
